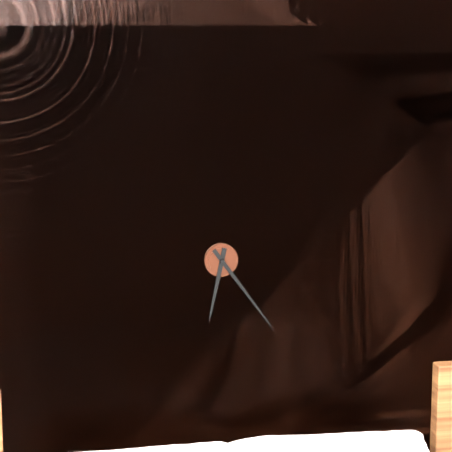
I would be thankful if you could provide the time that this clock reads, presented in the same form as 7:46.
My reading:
6:24
